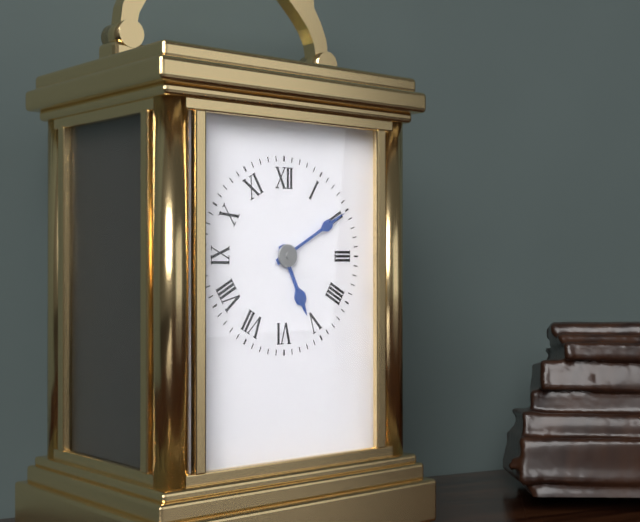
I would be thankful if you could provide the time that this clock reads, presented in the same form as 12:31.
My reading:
5:10
